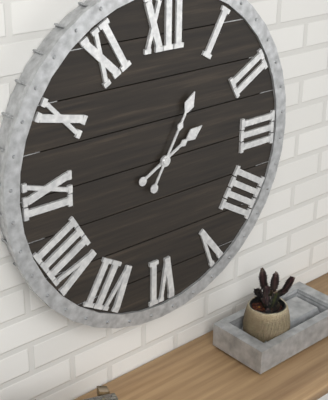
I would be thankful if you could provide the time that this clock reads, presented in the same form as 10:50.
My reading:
2:05
